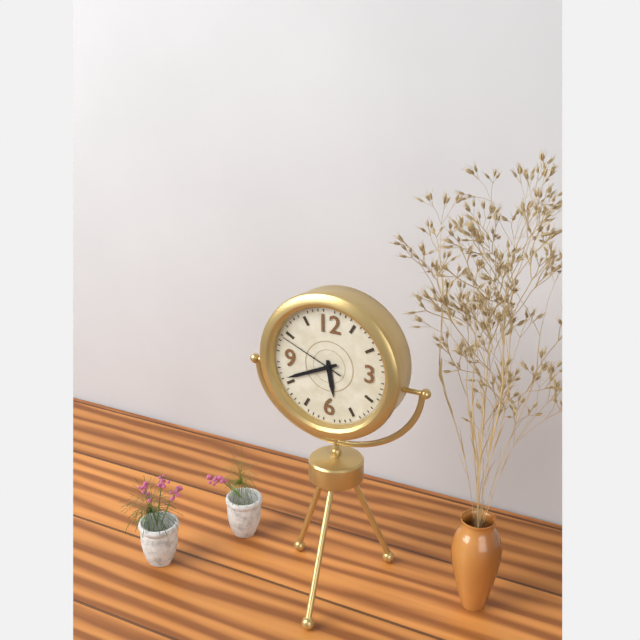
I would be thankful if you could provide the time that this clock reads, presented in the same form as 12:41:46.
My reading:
5:41:49
